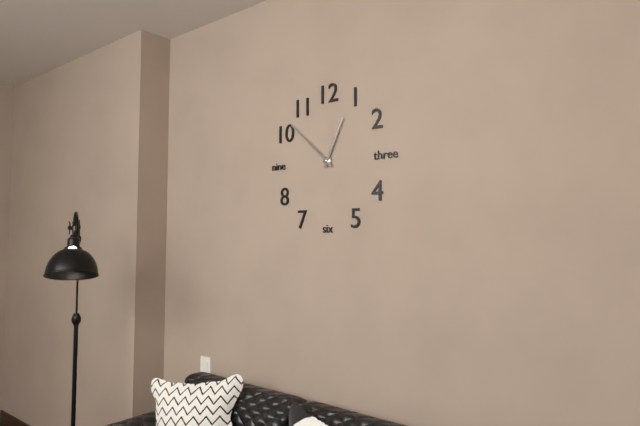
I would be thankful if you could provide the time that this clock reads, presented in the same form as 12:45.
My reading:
12:52
